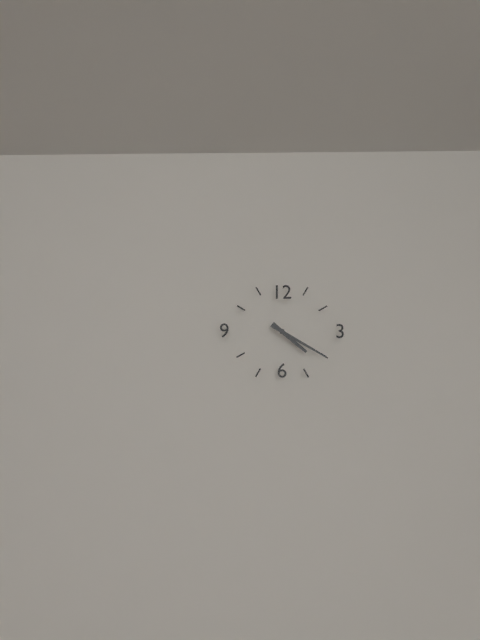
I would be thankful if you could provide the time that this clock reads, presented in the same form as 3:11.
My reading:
4:20
